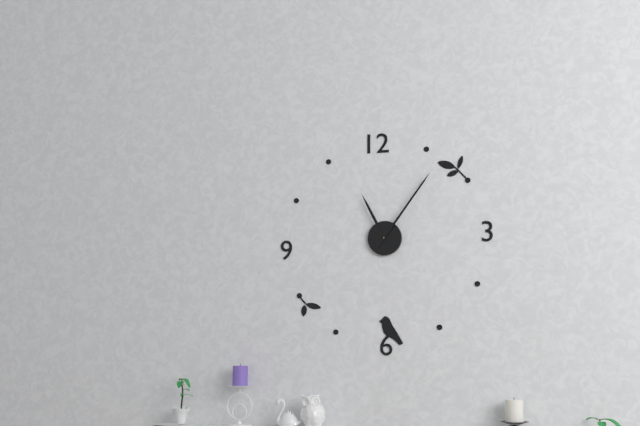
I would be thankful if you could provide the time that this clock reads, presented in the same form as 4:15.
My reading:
11:06
